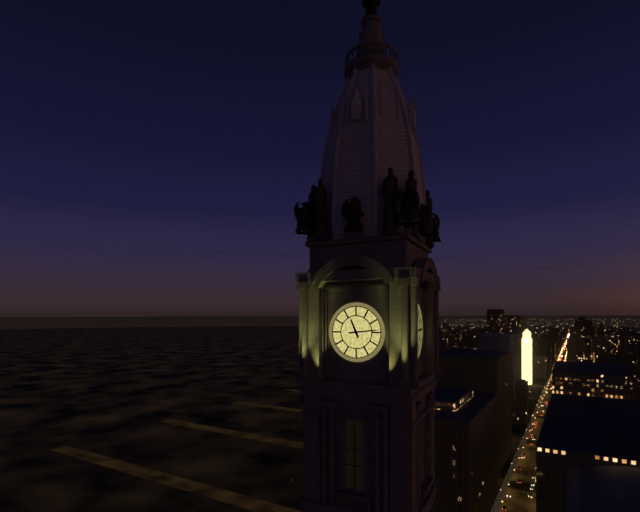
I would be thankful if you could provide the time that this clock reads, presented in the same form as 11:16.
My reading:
11:14
